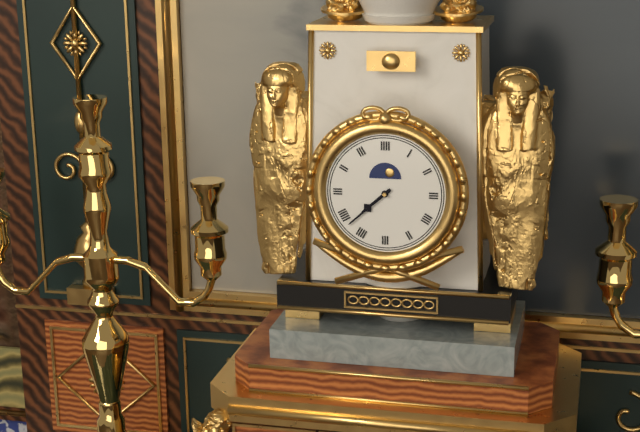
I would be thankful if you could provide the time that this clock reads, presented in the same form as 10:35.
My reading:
7:38
